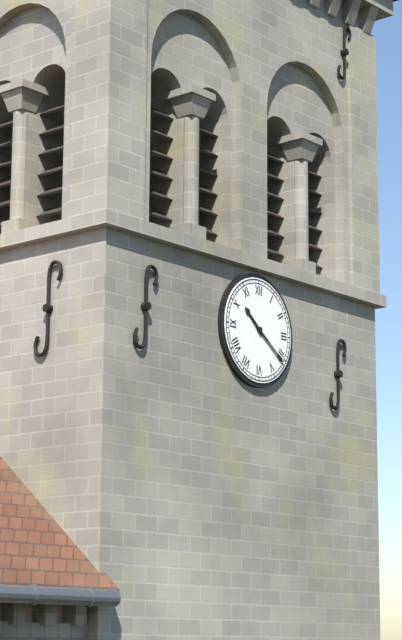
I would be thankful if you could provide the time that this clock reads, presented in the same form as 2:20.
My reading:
10:21
